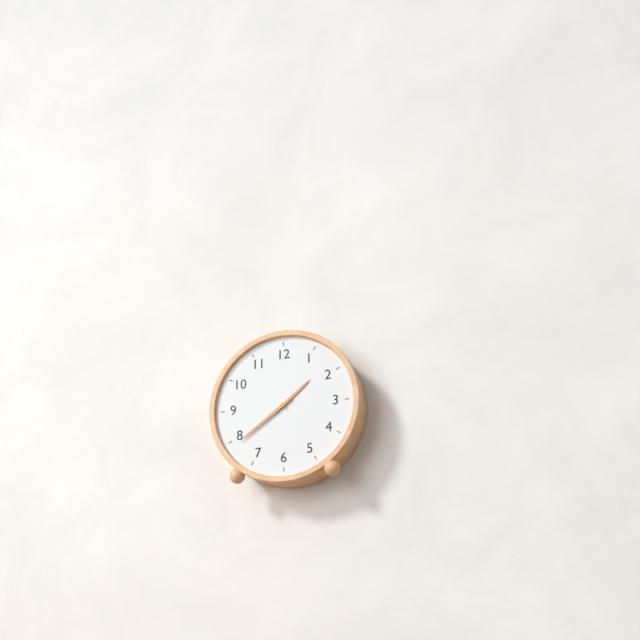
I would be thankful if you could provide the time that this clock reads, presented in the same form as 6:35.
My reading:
1:39
